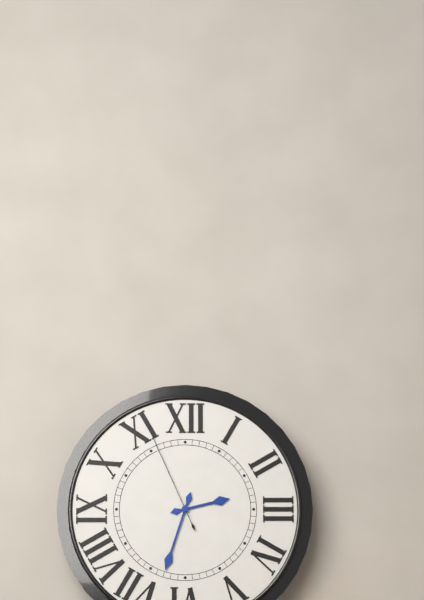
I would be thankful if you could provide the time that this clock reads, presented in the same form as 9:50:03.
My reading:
2:33:56
